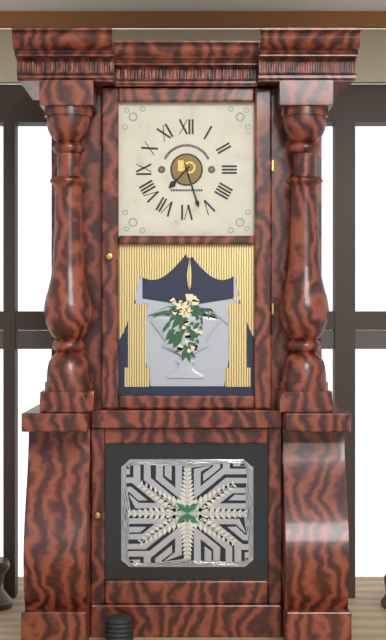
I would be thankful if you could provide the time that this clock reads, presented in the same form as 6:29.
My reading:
7:27
